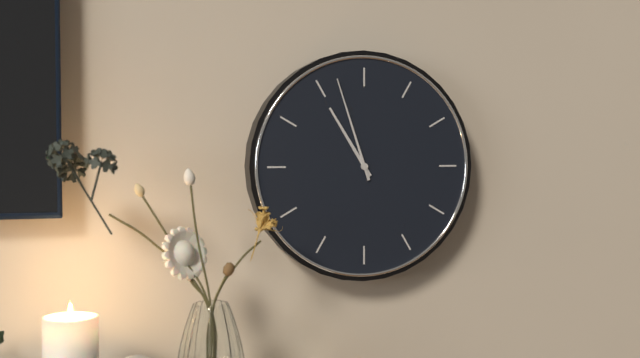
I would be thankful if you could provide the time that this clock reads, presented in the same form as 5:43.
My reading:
10:57
